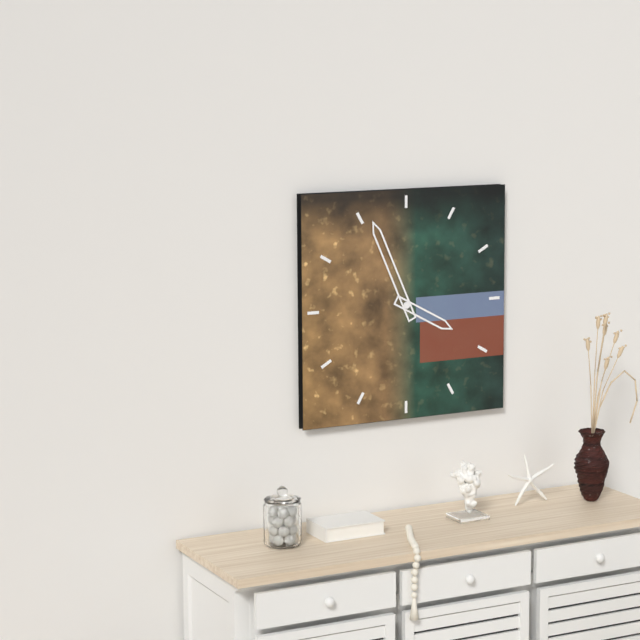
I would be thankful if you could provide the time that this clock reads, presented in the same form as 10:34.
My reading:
3:56
